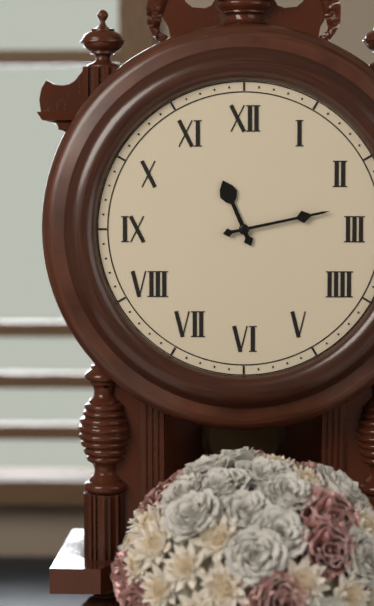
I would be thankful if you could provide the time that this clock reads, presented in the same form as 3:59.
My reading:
11:13
